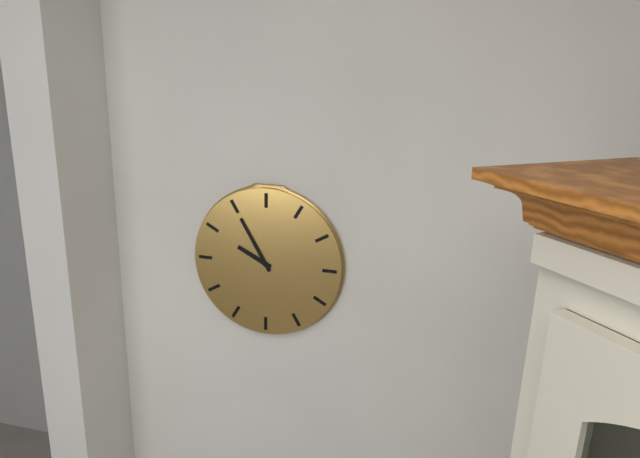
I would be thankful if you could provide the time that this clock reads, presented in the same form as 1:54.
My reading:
9:55
